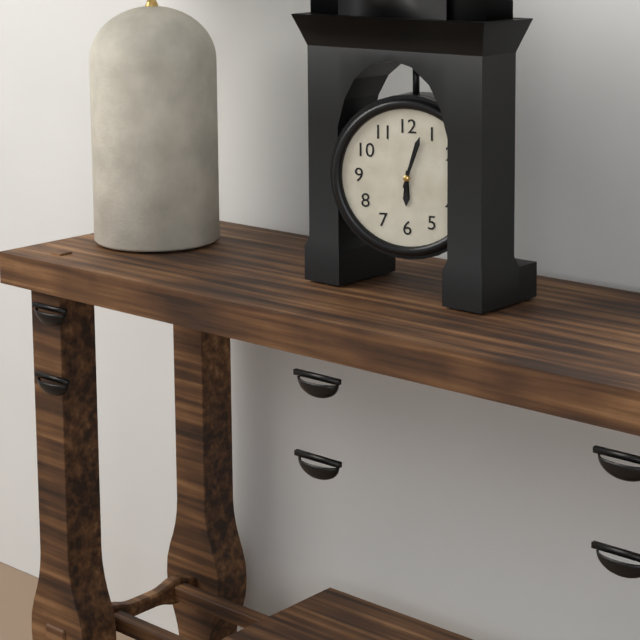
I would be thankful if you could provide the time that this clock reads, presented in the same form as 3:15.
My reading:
6:03
